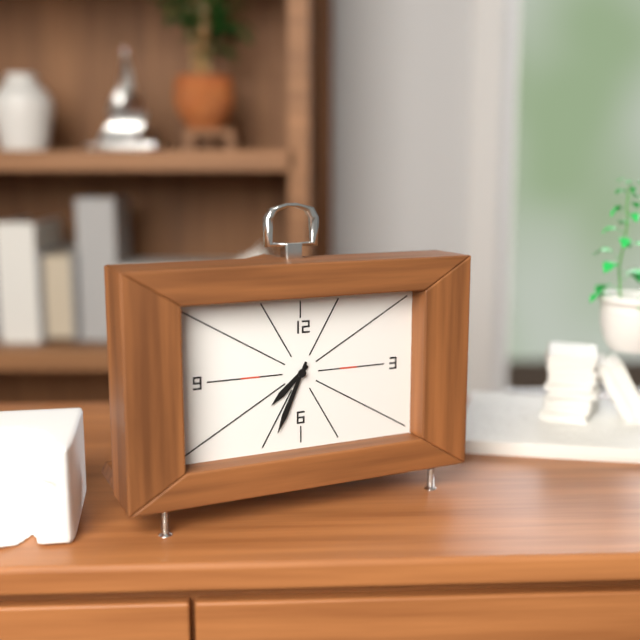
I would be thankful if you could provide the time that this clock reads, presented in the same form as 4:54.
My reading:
7:34
